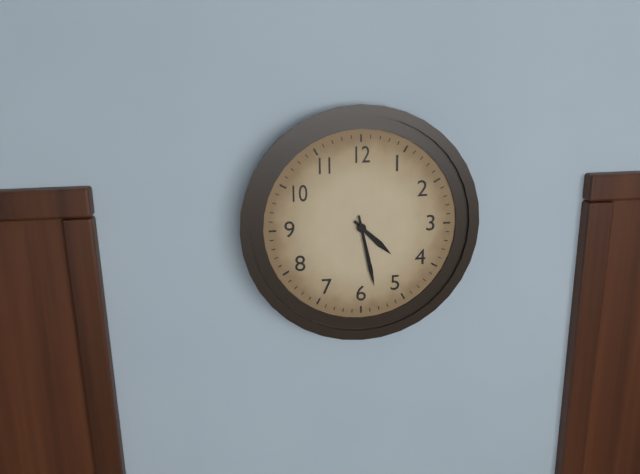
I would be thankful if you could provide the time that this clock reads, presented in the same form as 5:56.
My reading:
4:28
